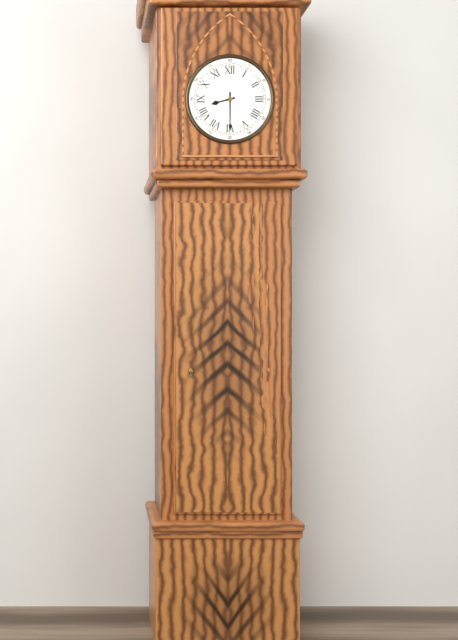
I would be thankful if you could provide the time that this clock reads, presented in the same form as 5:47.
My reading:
8:30
